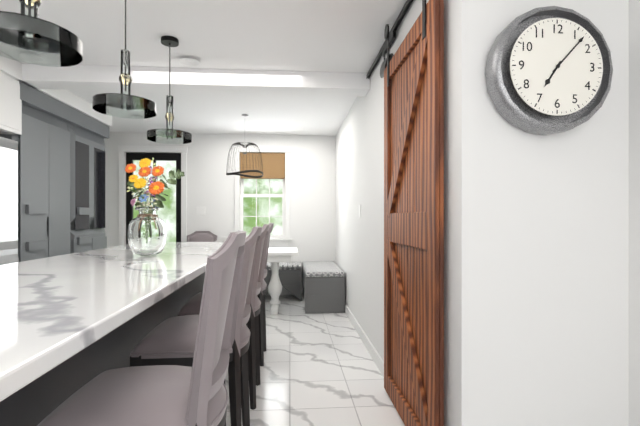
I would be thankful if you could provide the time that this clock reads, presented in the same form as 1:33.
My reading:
7:07
